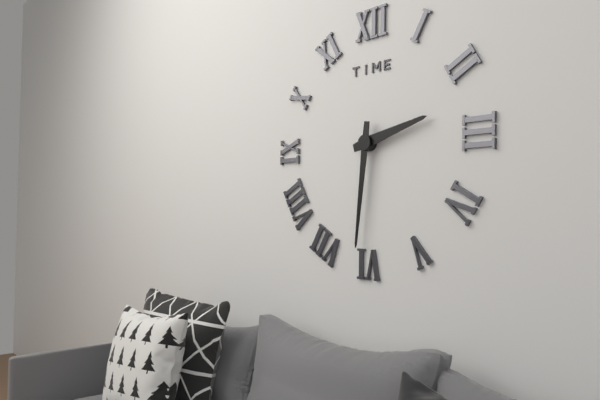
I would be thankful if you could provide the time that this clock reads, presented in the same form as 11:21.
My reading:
2:31
